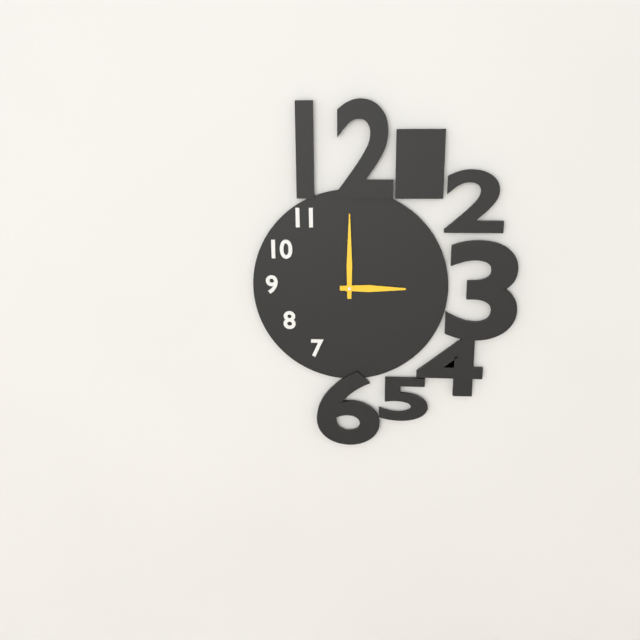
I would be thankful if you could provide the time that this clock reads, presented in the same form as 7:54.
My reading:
3:00
